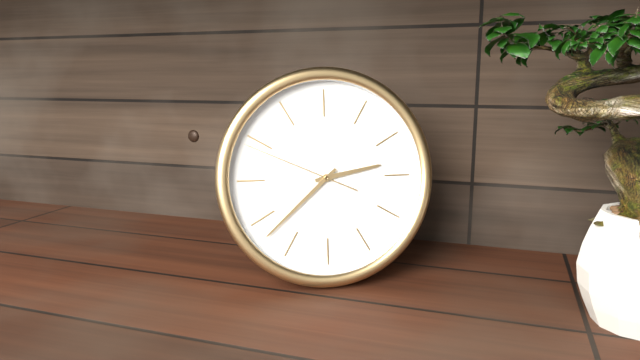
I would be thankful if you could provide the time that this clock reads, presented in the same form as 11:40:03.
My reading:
2:38:49
